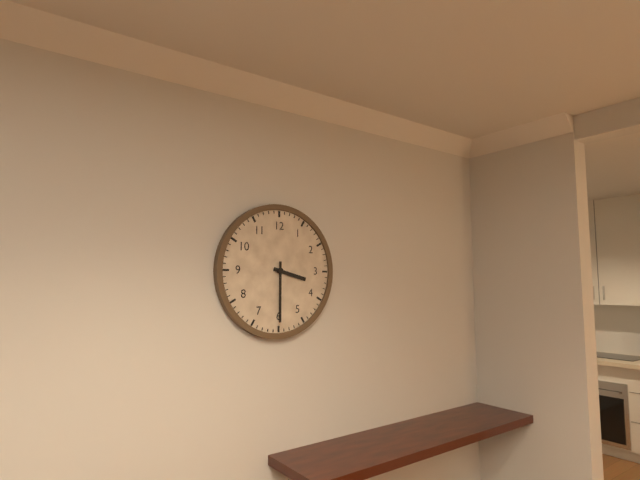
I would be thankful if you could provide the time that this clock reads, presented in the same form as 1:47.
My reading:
3:30
